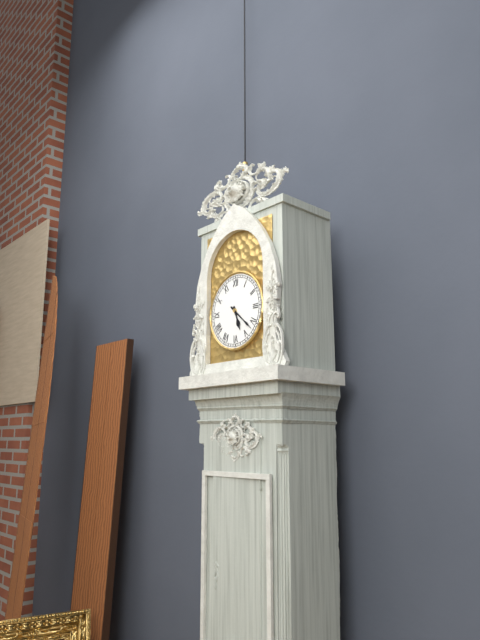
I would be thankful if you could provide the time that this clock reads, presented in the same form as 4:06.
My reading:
5:22
